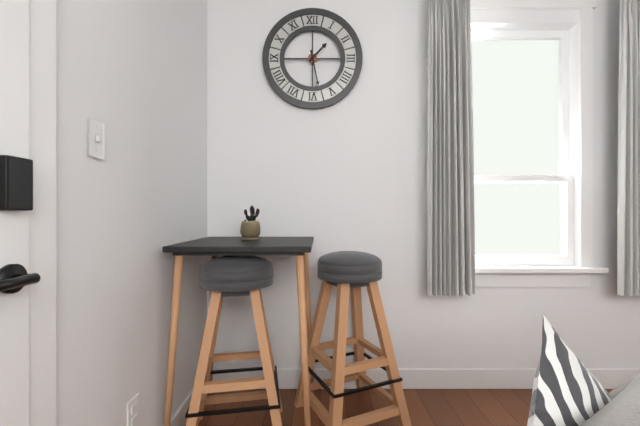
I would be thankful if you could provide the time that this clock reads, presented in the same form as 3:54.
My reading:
1:28
